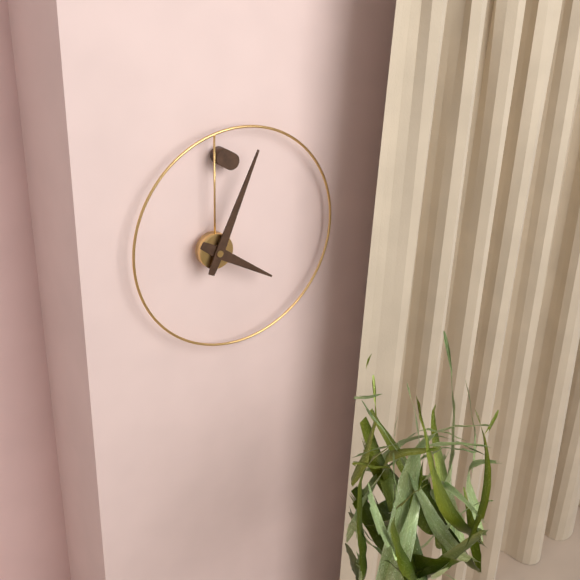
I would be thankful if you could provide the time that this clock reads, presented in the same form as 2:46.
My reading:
4:04
